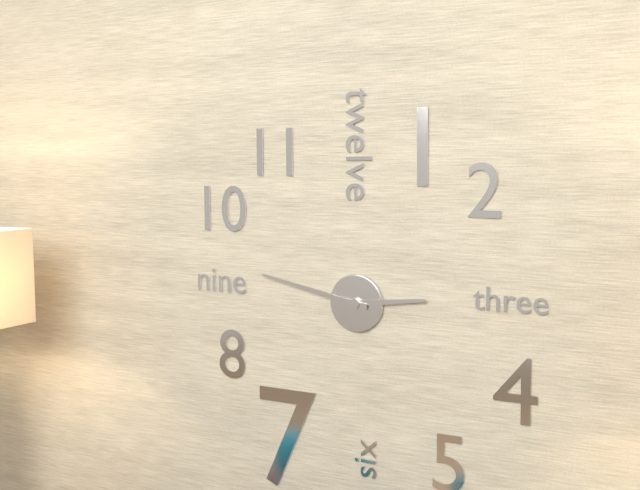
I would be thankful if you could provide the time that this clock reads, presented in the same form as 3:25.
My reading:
2:47
